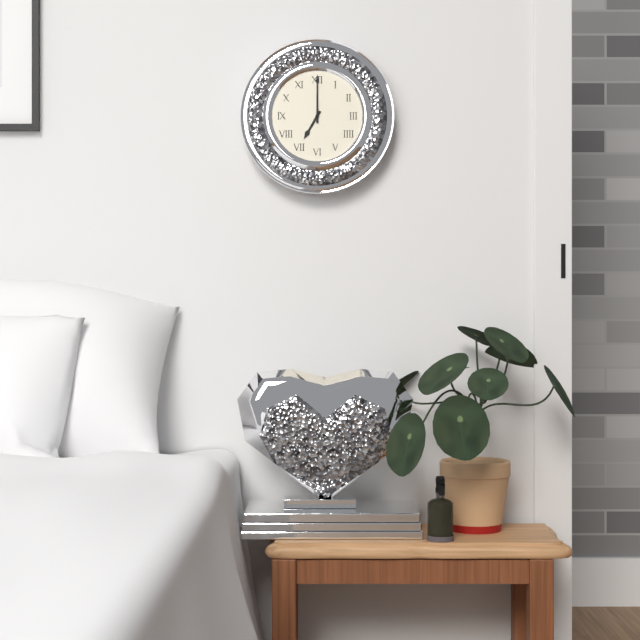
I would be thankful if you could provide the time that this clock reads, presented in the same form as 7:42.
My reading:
7:00
